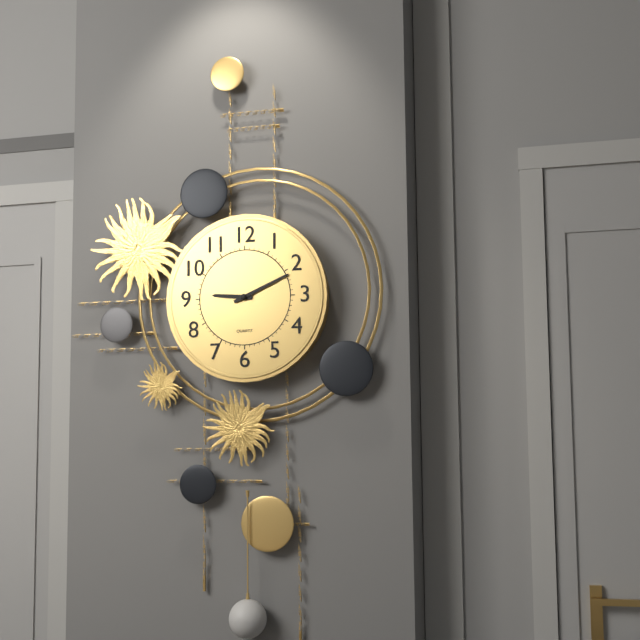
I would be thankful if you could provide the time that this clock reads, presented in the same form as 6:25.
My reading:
9:11
